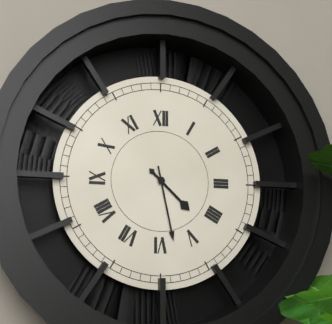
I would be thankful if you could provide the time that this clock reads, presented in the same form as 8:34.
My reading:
4:28
